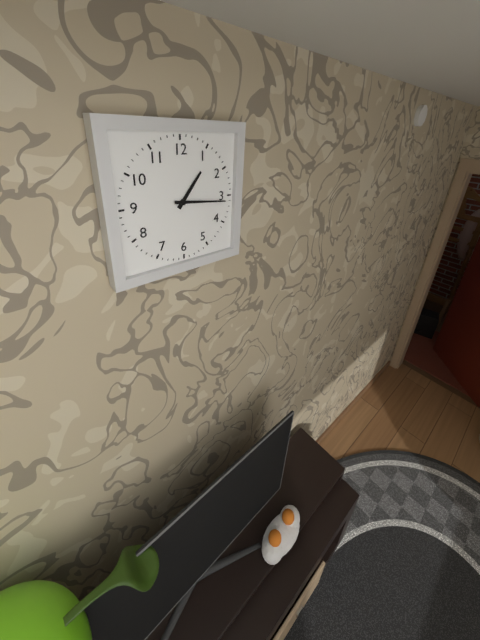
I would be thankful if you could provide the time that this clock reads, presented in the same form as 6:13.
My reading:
1:16
